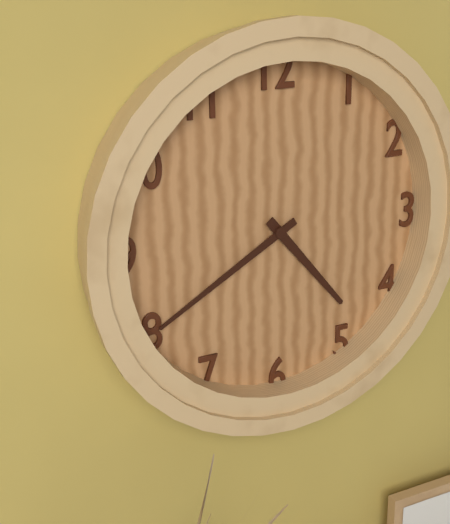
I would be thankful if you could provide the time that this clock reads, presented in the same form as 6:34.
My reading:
4:40
